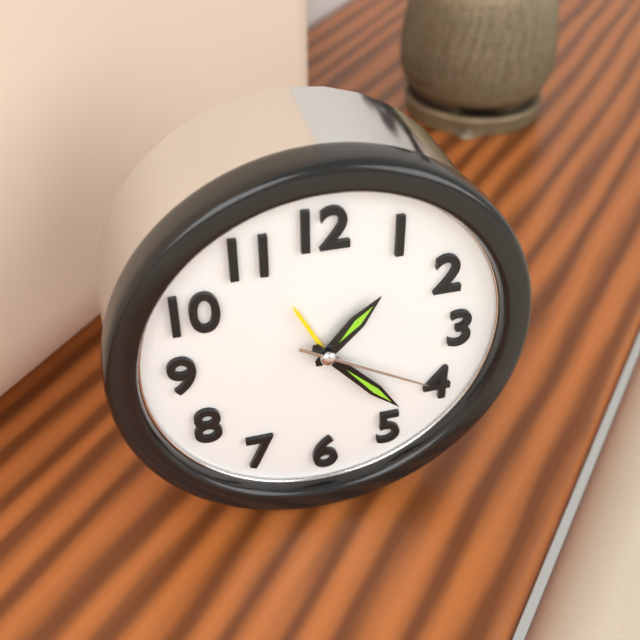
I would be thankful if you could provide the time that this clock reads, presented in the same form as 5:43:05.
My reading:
1:23:20
